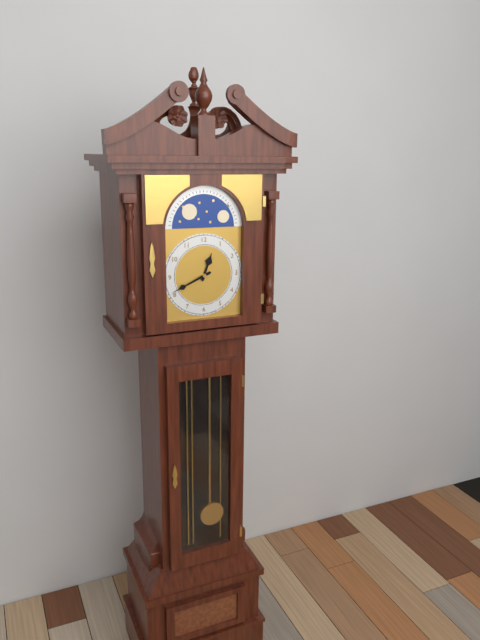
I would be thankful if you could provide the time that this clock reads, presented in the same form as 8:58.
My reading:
12:41
